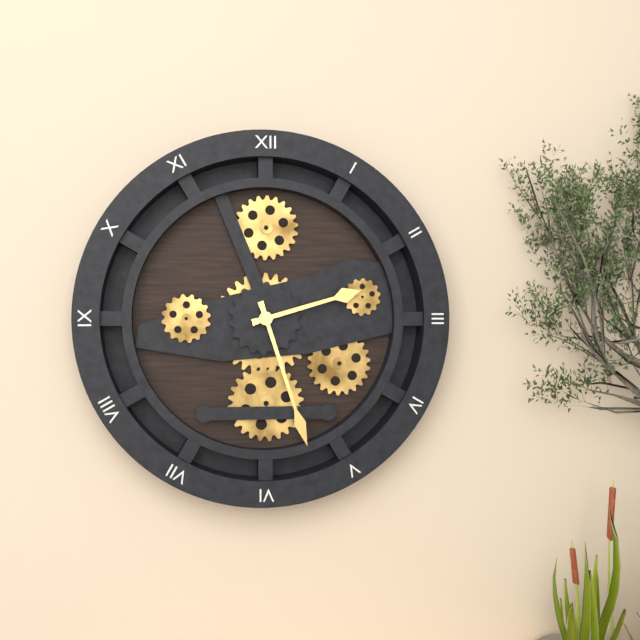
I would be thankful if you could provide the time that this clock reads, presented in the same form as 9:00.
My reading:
2:27
